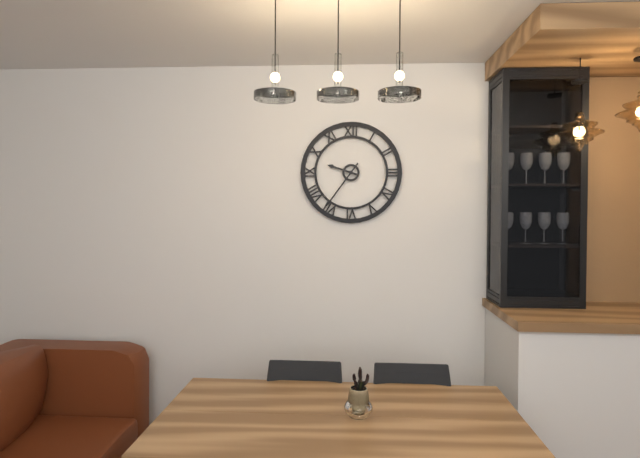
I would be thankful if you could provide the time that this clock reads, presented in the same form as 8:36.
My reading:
9:36
